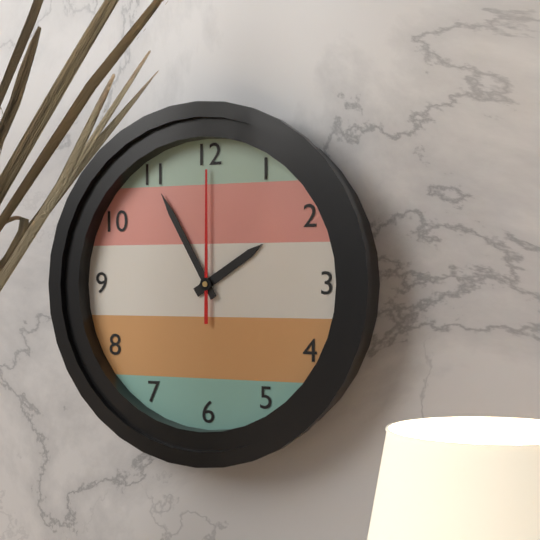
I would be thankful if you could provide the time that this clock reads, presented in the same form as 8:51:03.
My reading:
1:55:00
